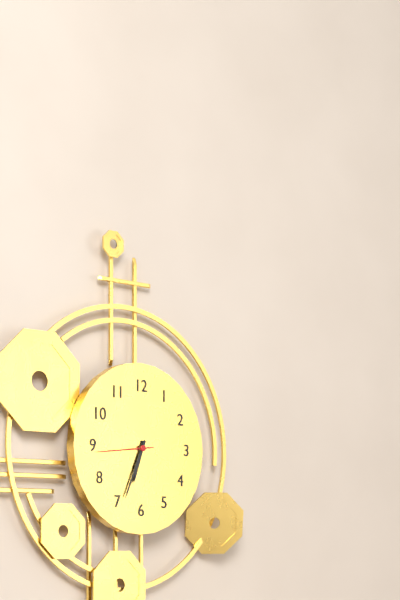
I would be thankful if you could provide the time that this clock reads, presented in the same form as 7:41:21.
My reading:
6:34:44
